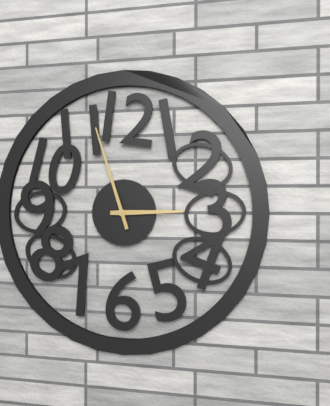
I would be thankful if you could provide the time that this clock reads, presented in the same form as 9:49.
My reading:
2:57
